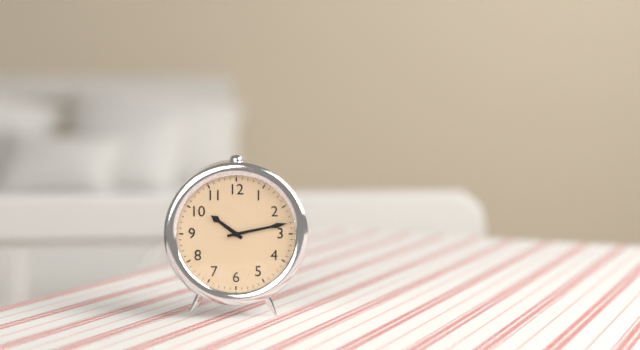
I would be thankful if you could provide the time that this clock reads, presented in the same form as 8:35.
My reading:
10:13
